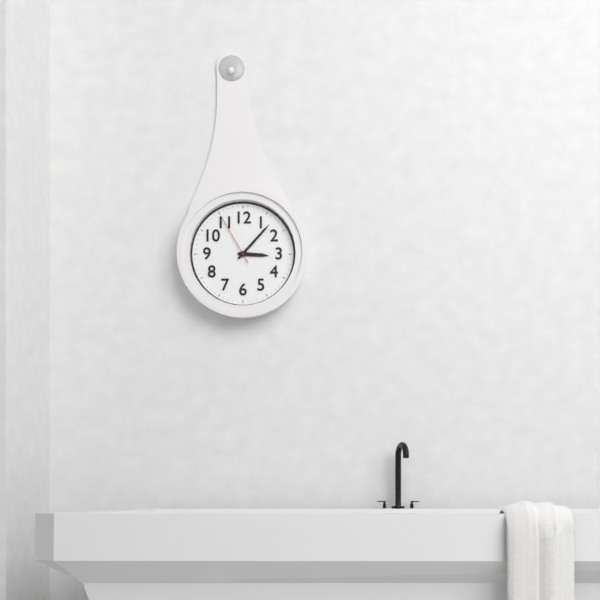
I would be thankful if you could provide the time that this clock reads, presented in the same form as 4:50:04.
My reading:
3:07:55
